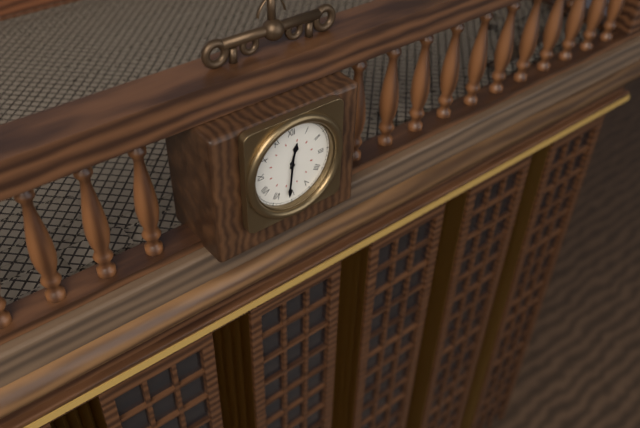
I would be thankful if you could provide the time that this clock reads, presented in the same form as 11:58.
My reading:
12:31
